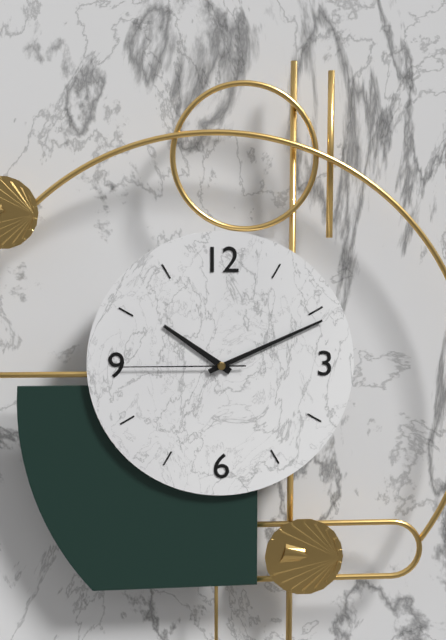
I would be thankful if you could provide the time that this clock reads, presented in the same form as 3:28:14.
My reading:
10:11:45
